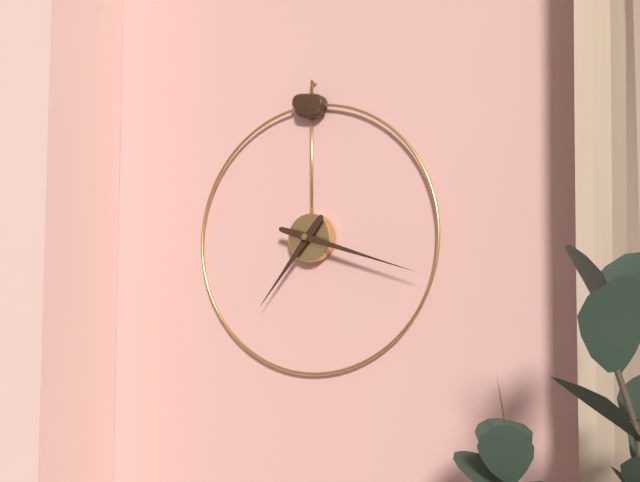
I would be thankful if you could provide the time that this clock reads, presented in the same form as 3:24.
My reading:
7:18
